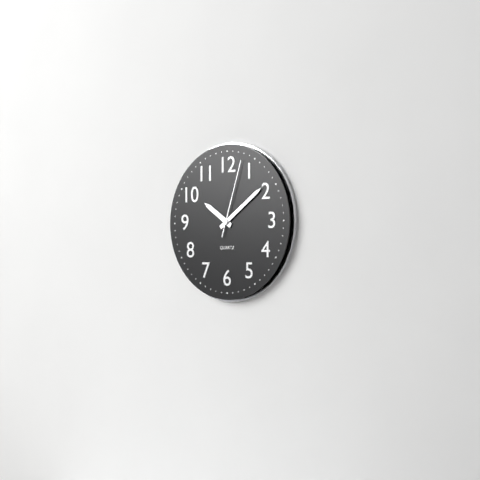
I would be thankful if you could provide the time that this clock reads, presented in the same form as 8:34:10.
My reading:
10:09:03
